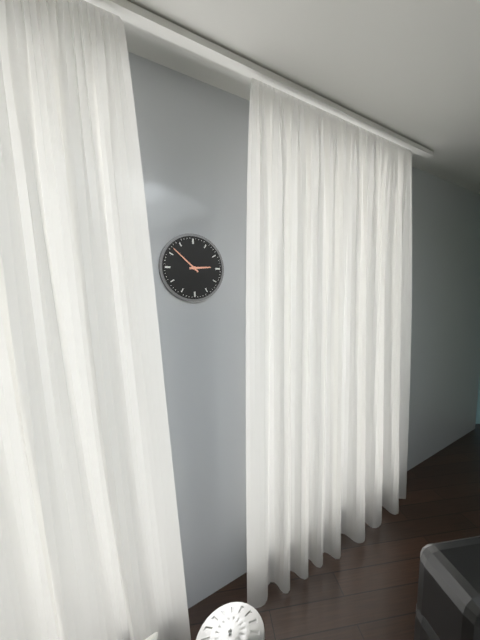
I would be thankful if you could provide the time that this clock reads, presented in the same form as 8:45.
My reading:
2:52
